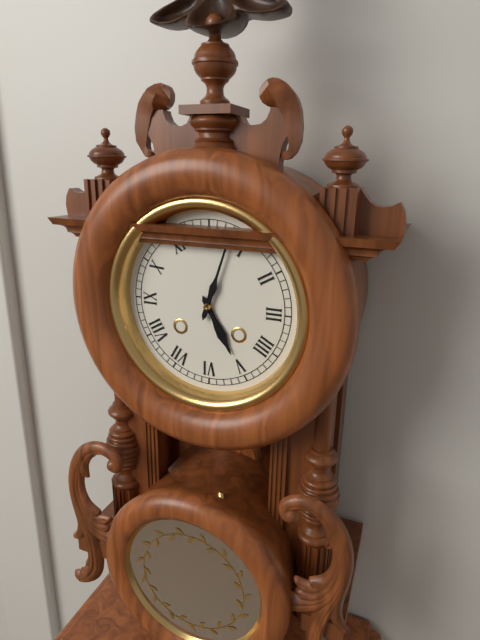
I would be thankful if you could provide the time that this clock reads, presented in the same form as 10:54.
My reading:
5:03
